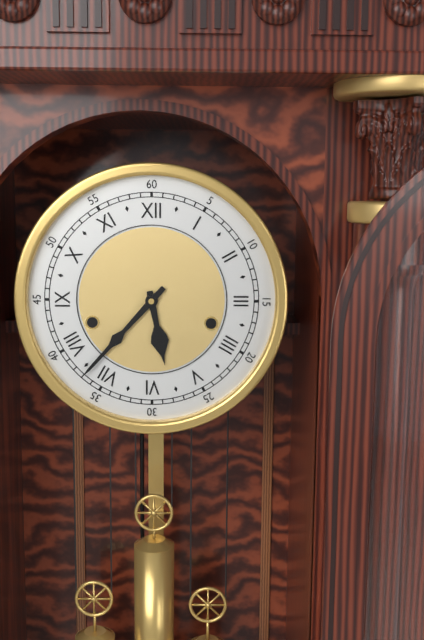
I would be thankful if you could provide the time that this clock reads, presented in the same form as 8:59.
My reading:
5:37
